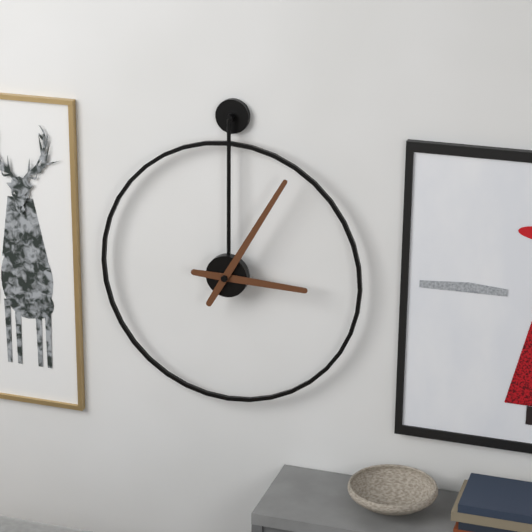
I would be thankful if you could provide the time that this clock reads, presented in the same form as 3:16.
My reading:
3:05
